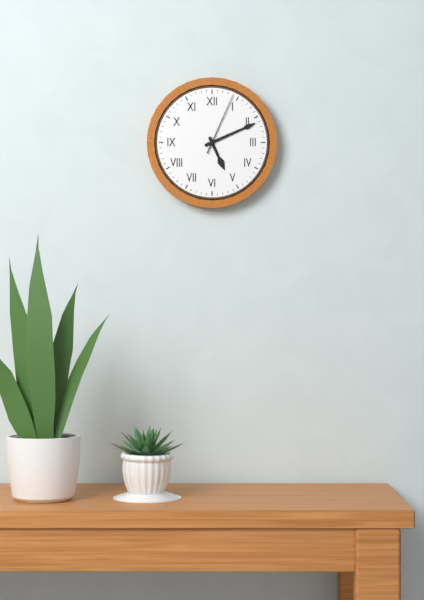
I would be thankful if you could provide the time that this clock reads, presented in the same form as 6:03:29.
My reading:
5:11:04
